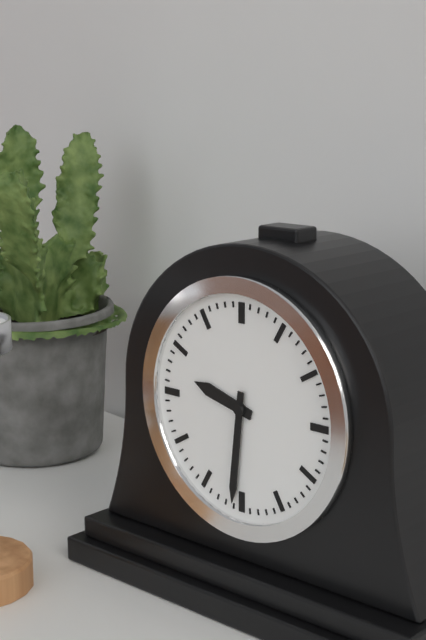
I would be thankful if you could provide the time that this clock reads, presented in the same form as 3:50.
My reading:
9:31
